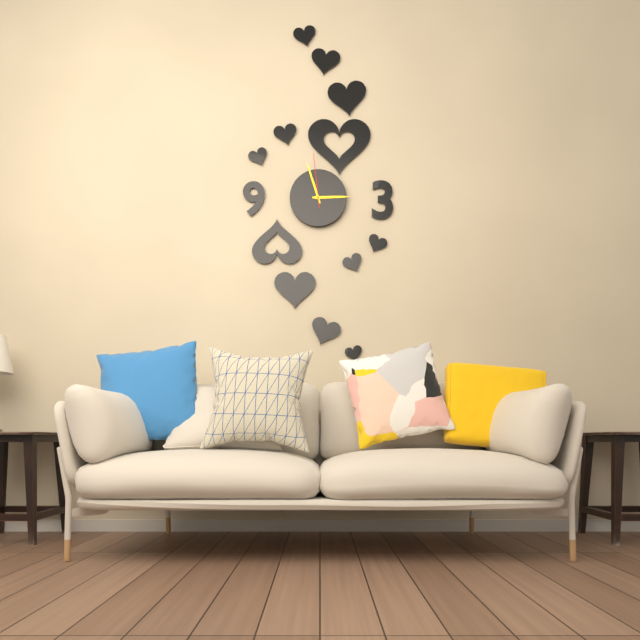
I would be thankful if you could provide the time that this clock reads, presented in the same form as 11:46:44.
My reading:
2:57:59
